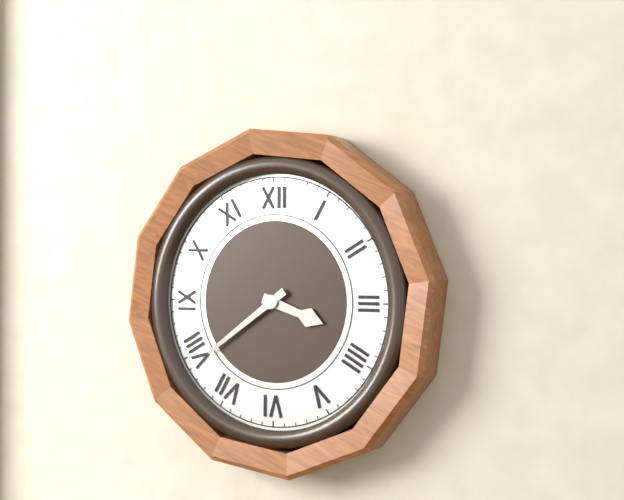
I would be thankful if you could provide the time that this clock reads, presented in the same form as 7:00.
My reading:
3:39
